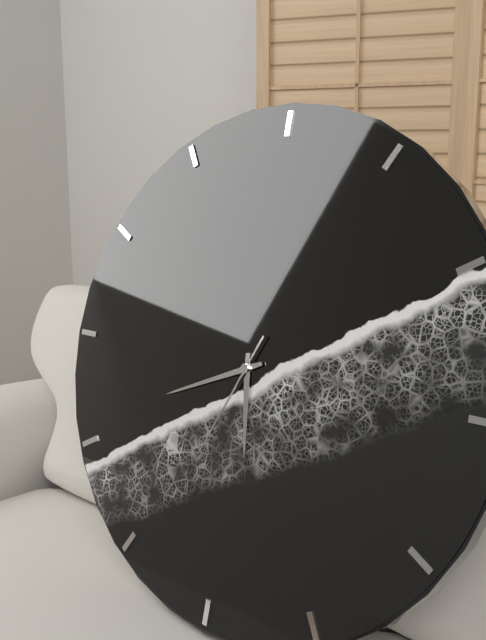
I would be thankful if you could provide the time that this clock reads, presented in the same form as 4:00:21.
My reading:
5:41:34
